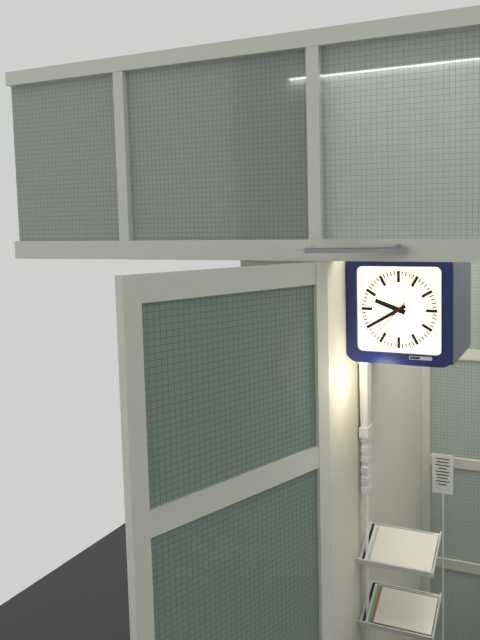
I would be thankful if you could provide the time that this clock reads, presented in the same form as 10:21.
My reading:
9:40
